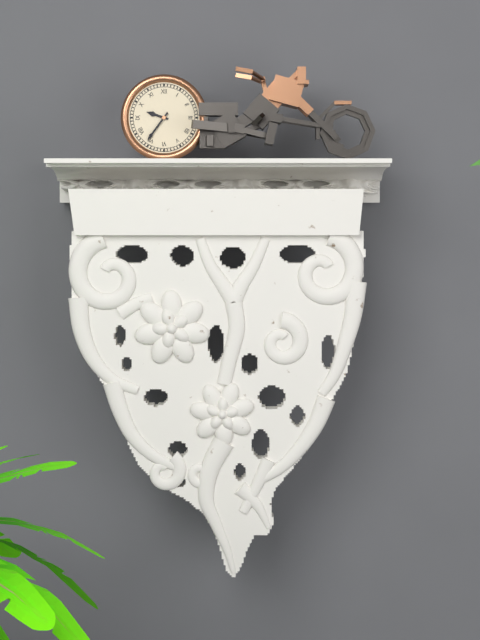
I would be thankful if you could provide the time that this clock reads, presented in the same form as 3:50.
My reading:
9:36
